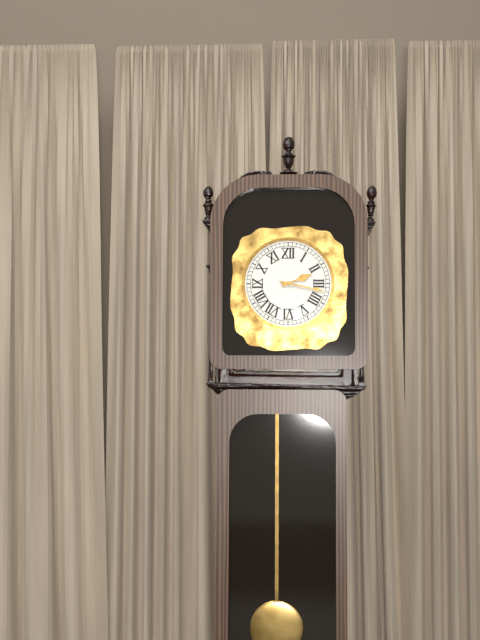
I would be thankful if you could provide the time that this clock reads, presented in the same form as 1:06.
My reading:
2:17
